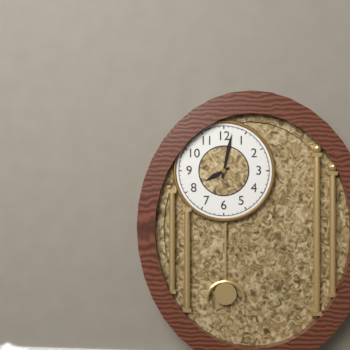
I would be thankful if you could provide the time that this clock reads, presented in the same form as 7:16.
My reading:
8:02
